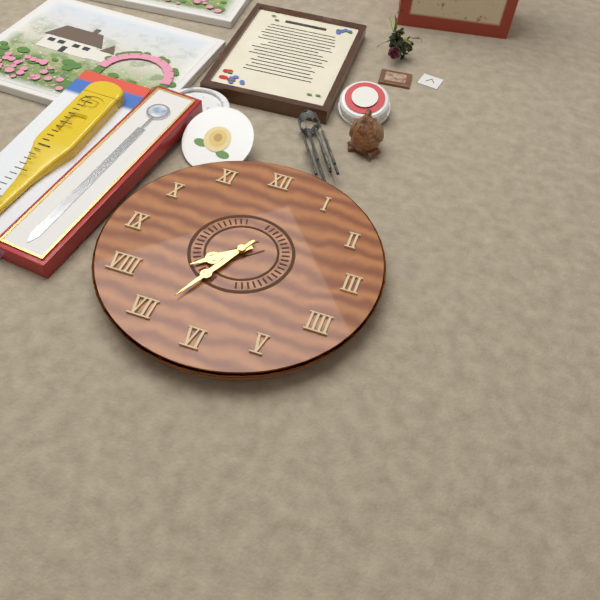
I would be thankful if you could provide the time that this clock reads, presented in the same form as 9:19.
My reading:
7:34
